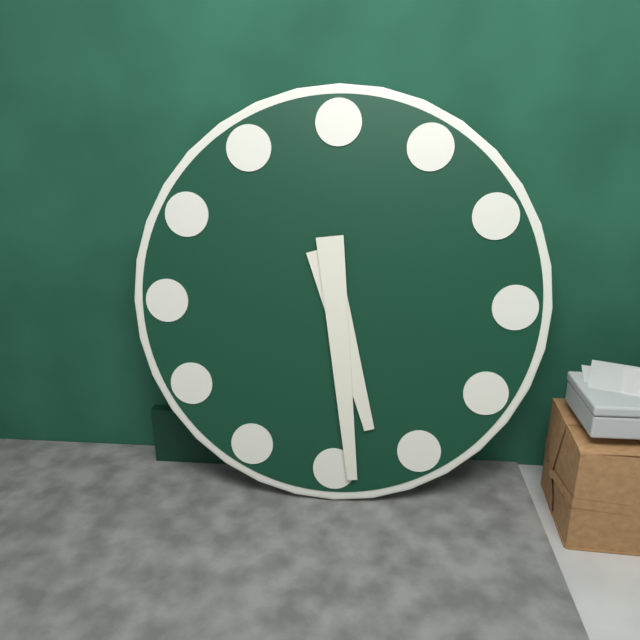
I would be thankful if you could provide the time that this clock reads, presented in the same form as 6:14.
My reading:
5:29
